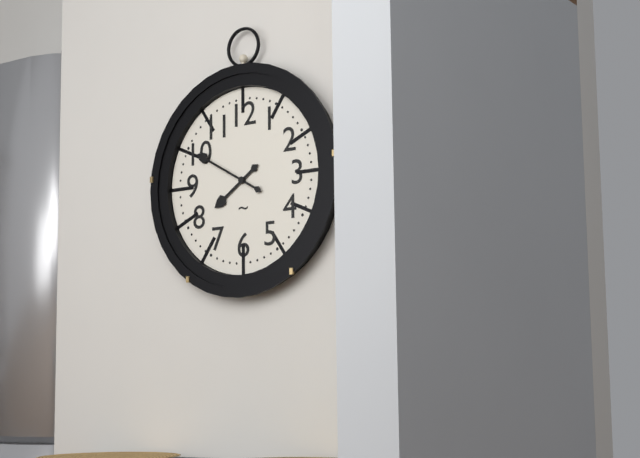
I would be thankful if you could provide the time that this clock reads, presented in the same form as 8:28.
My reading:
7:50
